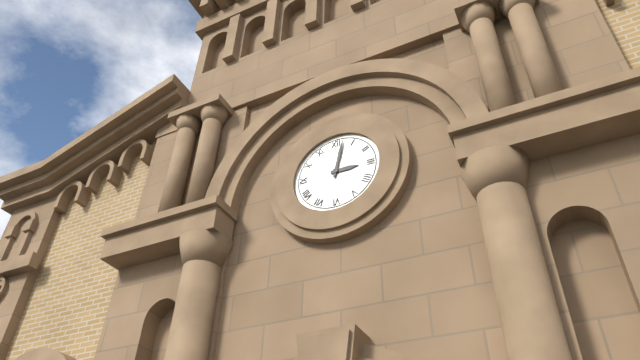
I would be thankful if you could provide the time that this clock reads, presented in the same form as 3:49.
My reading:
3:02
